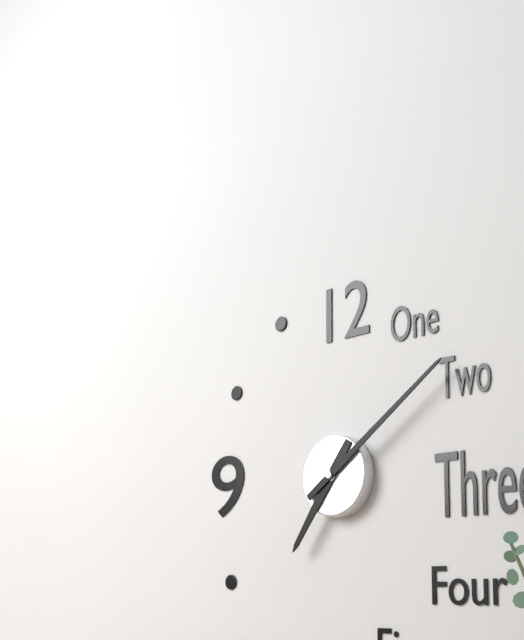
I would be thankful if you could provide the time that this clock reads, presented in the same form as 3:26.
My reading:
7:09
